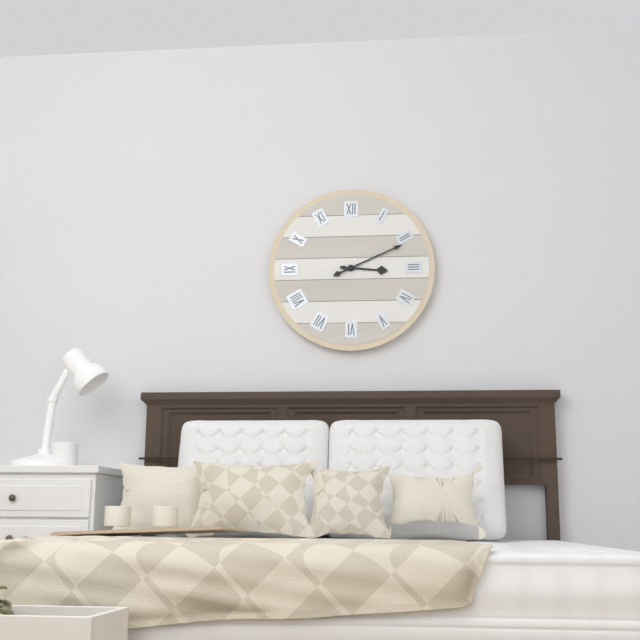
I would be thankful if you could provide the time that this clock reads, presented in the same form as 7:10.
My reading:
3:11
